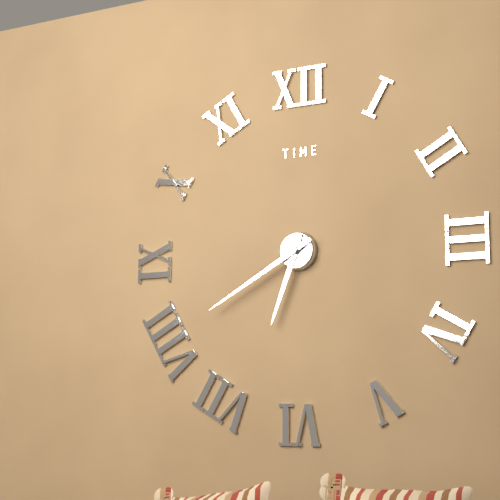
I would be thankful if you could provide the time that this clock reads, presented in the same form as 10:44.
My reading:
6:40
